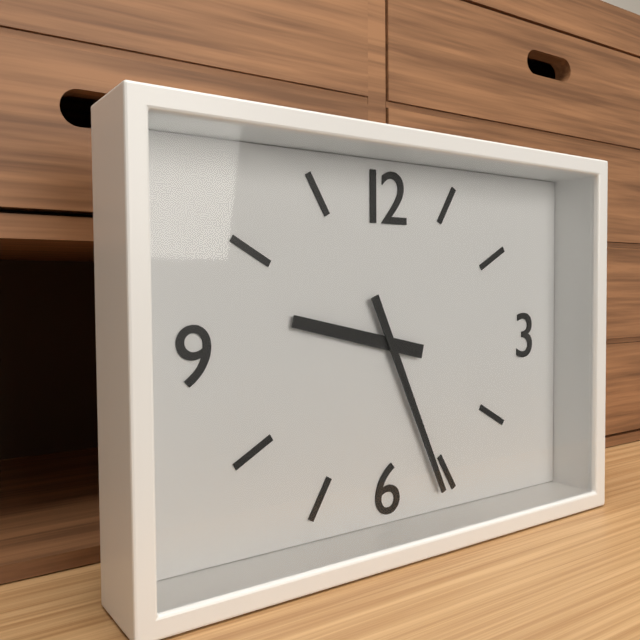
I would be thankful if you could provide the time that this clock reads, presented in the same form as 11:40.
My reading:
9:26
